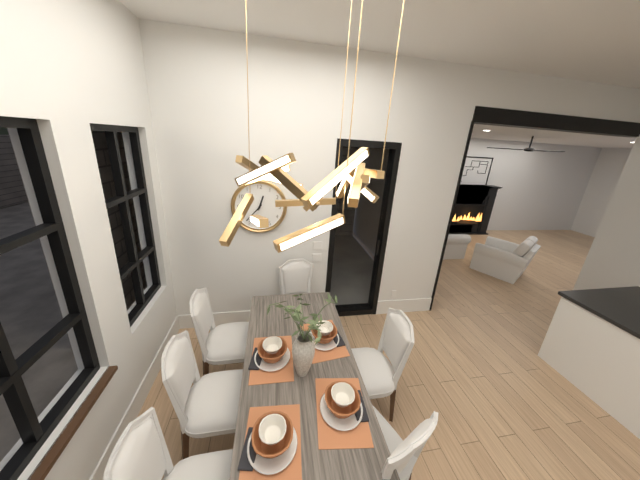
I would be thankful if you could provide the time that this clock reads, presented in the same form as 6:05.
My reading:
12:37
